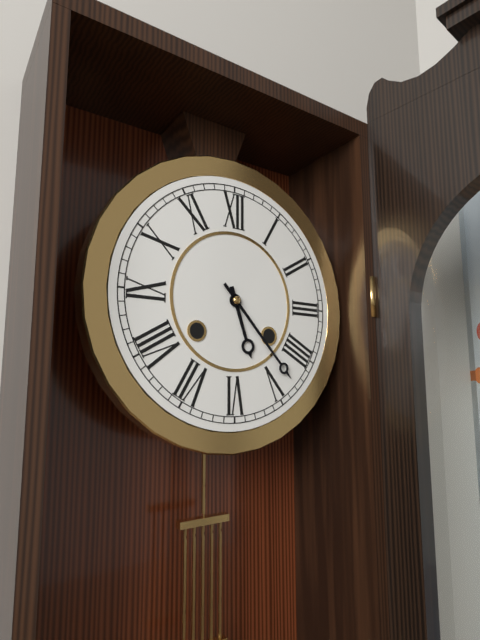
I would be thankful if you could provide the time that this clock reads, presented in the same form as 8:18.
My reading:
5:23
